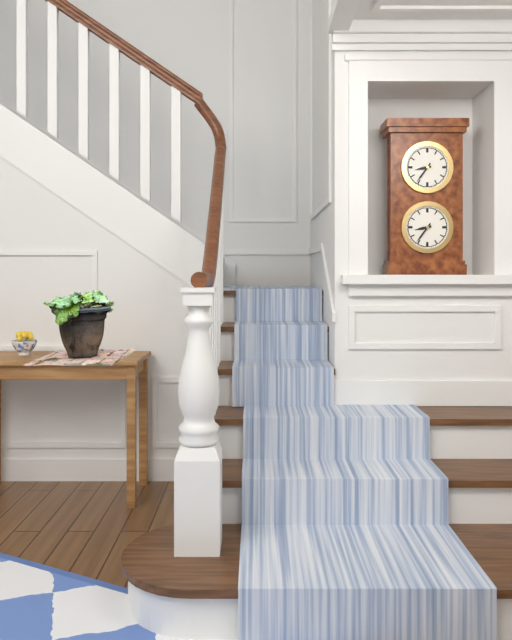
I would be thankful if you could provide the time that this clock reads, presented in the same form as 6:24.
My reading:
8:36
